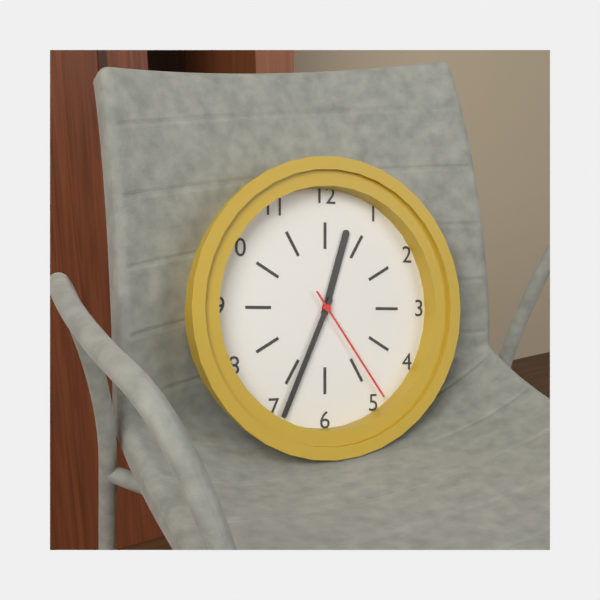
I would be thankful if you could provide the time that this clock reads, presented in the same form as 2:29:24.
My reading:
12:34:24
